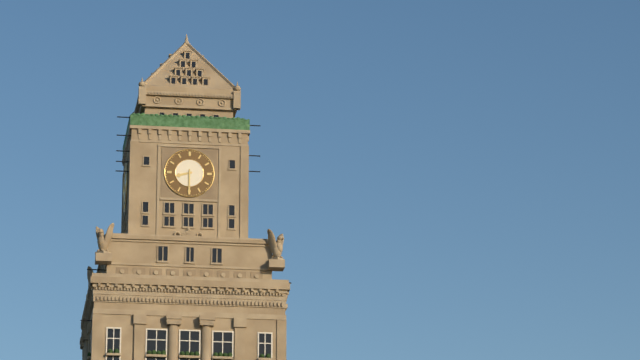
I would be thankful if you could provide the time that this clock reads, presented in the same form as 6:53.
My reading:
8:30
